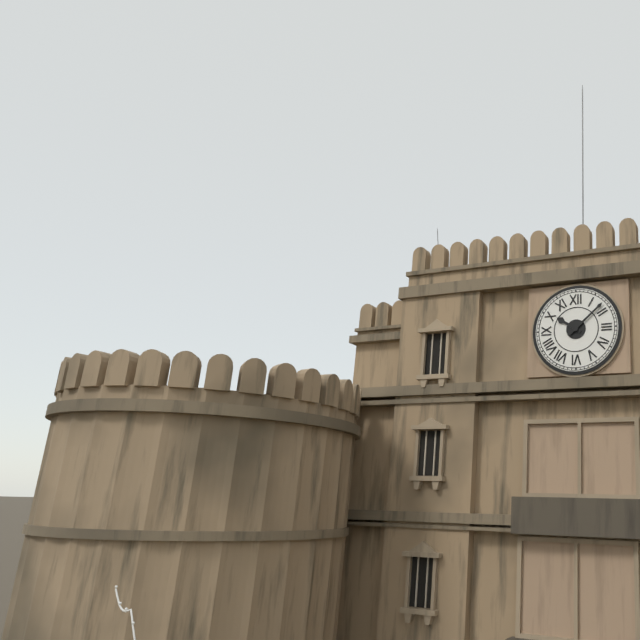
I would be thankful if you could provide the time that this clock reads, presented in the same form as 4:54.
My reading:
10:08
